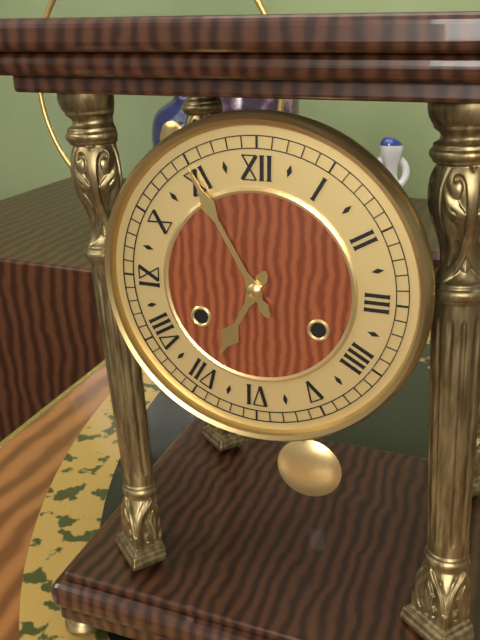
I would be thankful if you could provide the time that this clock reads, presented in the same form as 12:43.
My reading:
6:55
